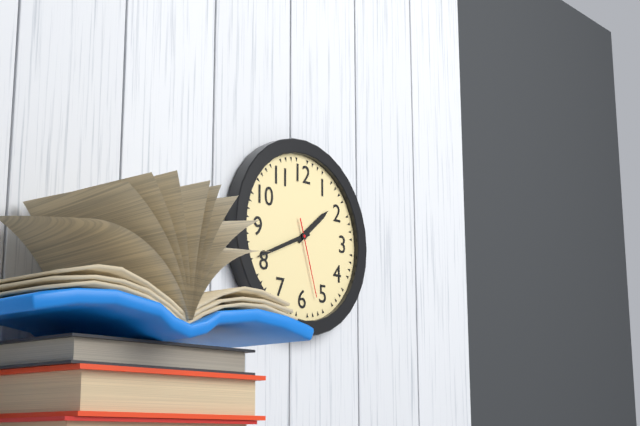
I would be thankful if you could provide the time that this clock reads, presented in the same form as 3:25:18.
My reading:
1:41:27
